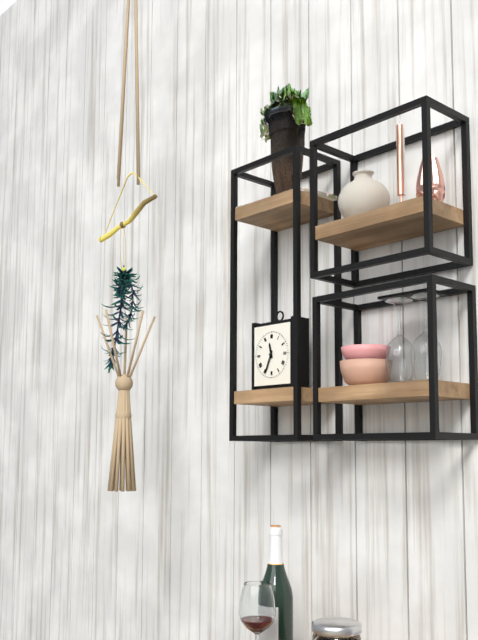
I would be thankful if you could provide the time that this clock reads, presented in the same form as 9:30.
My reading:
11:34
